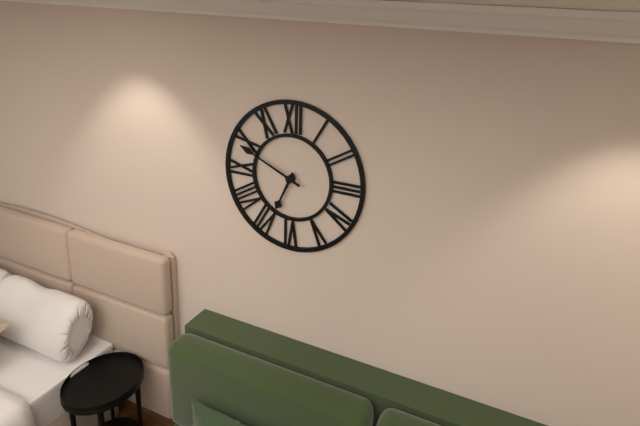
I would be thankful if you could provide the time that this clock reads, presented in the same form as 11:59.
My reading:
6:49
